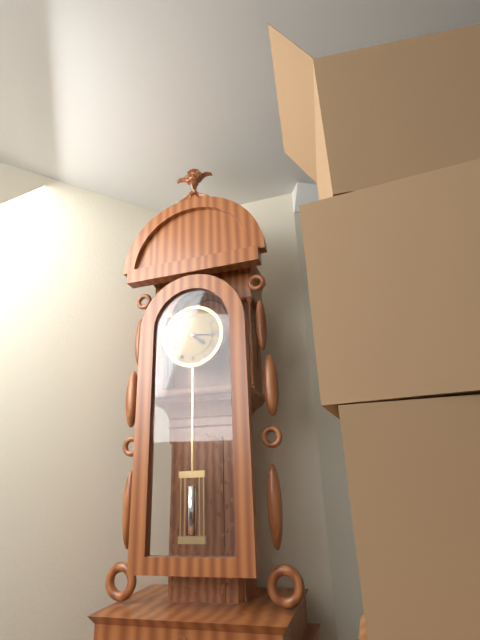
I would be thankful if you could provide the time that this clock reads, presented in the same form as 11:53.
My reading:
4:16
